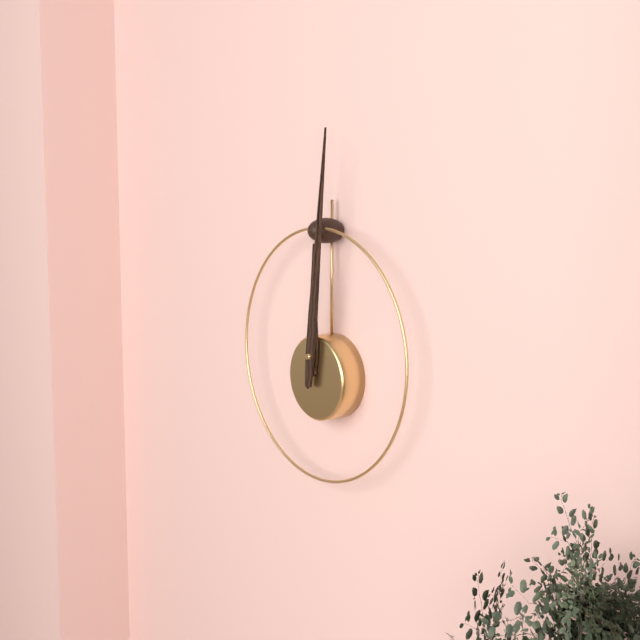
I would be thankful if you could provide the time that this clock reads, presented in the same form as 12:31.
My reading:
12:01
